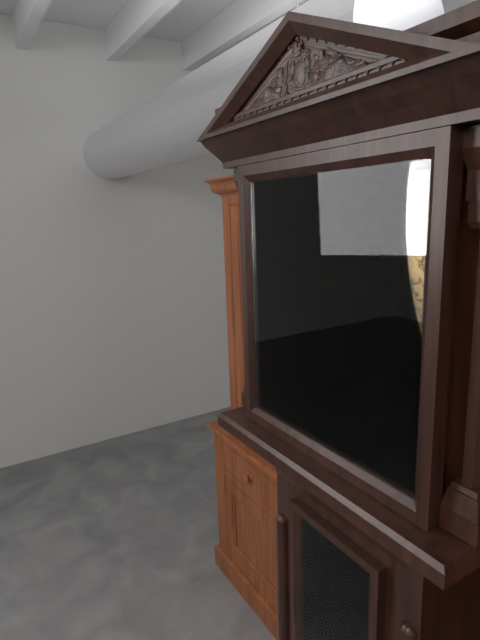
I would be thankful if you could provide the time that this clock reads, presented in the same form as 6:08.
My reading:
8:40
